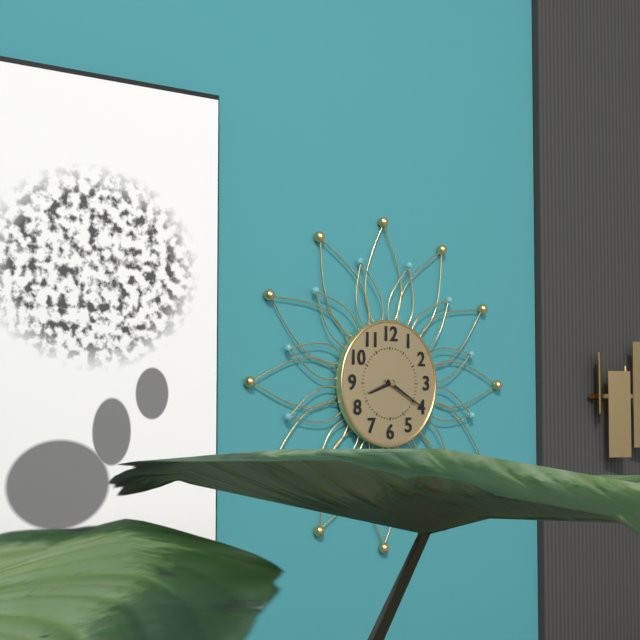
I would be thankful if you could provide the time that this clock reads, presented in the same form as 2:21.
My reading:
8:20
